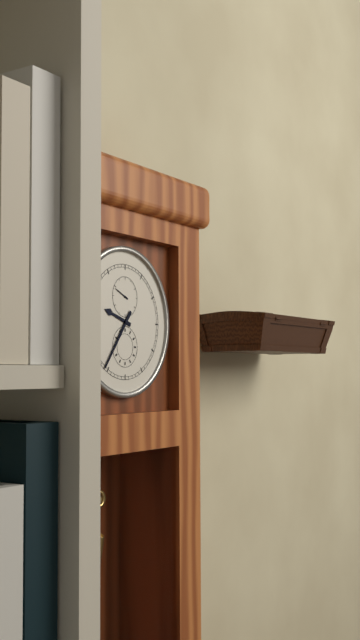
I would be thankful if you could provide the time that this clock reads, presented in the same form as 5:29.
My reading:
9:36
